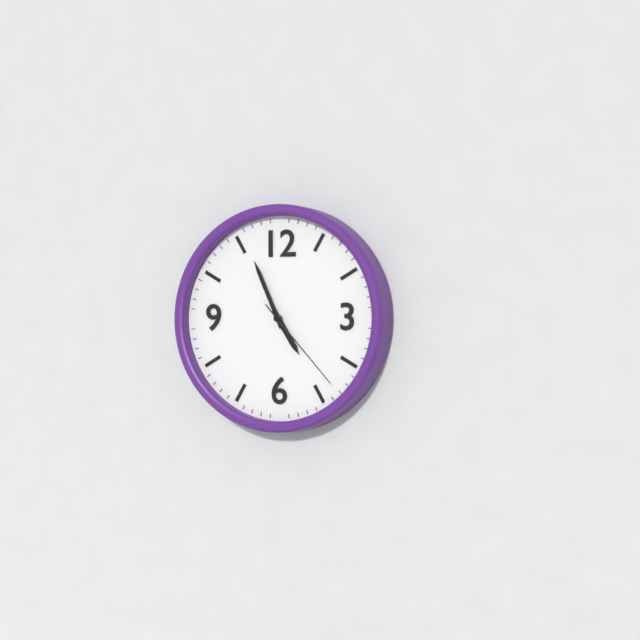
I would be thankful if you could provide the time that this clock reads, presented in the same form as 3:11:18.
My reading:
4:56:23
